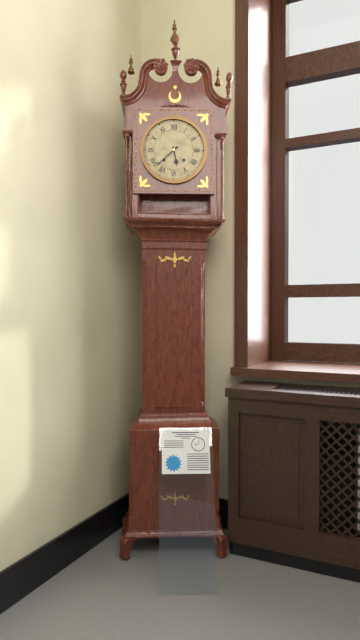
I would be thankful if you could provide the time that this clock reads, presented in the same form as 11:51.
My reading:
5:38
